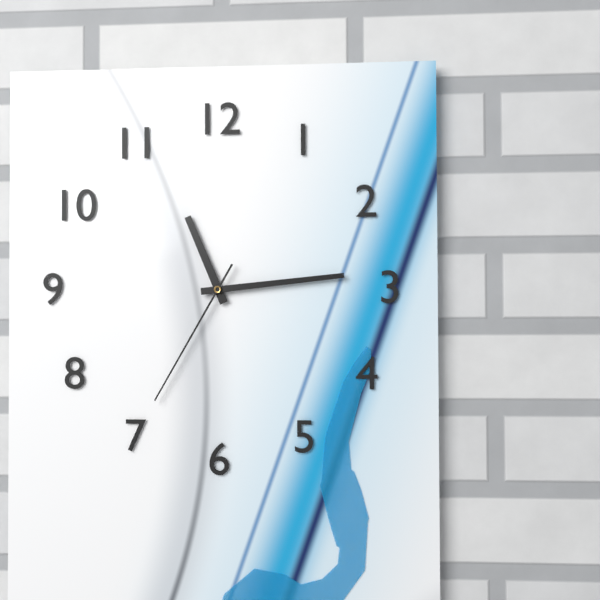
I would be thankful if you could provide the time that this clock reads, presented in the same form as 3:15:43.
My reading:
11:14:35
